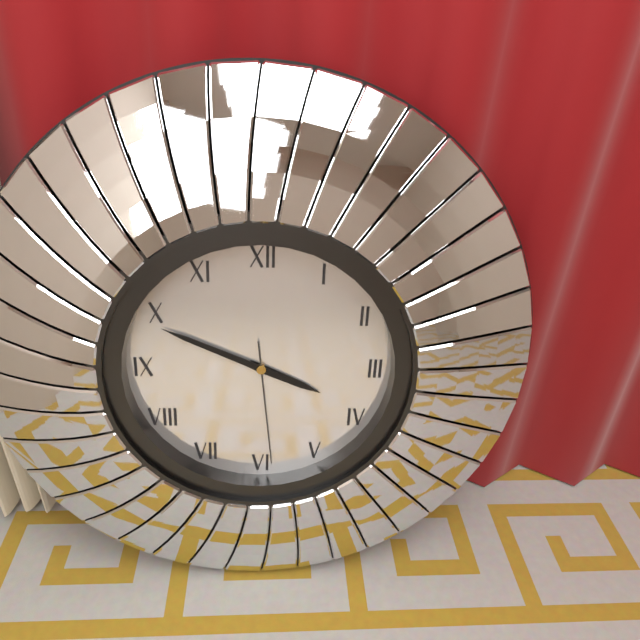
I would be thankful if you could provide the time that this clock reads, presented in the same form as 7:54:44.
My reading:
3:49:29
